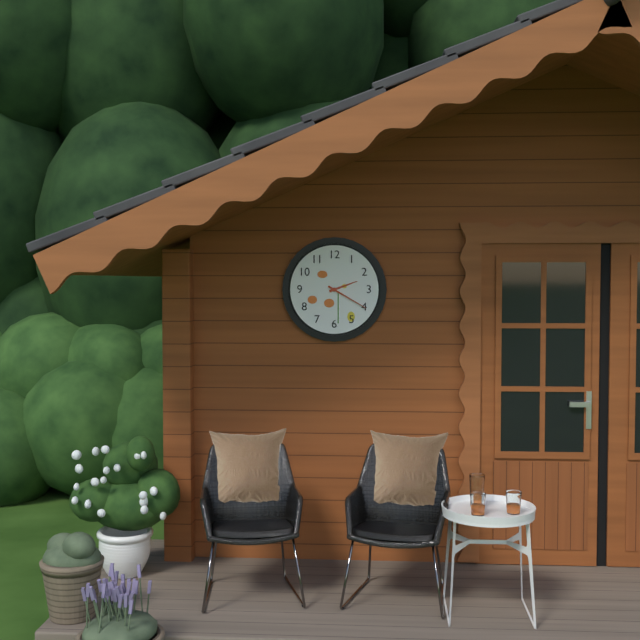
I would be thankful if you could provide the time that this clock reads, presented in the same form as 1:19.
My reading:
2:20
